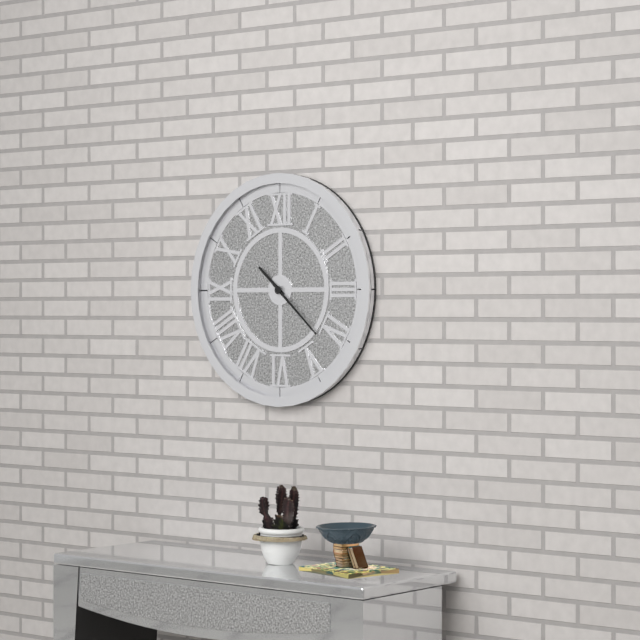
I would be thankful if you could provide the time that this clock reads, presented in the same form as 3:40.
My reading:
10:22
